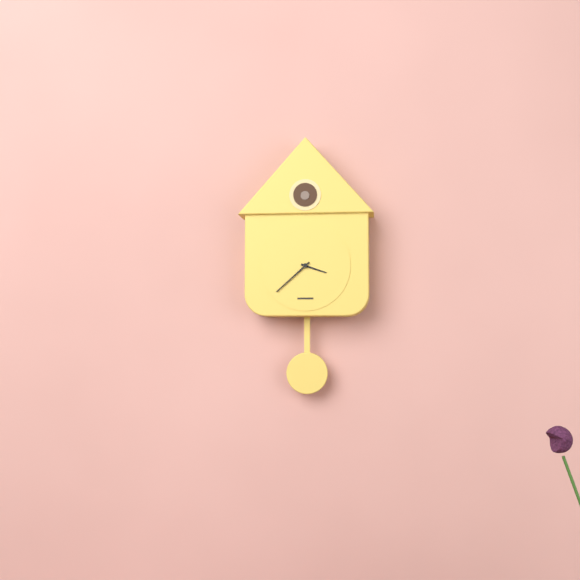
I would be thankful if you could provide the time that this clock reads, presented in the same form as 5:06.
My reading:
3:38
